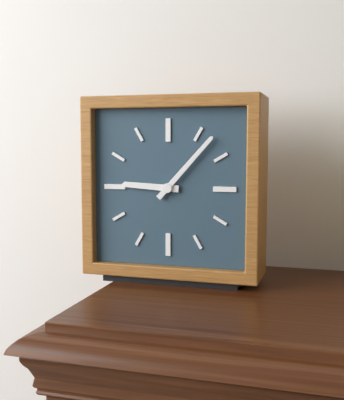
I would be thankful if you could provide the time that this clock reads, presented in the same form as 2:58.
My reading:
9:07
